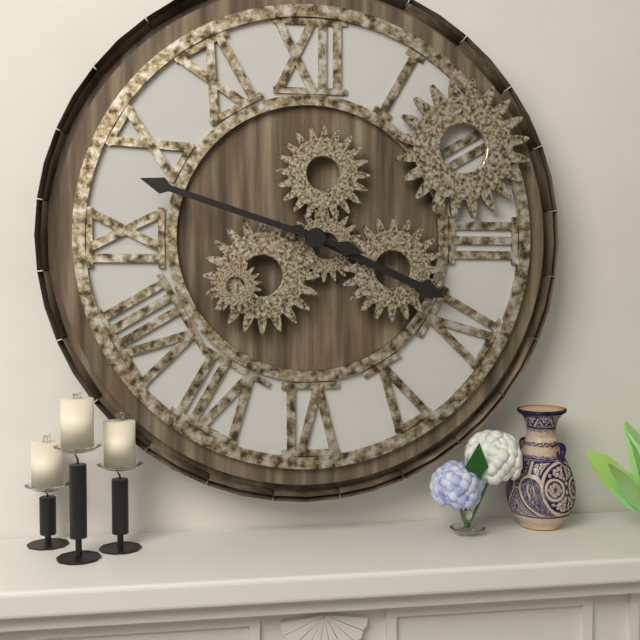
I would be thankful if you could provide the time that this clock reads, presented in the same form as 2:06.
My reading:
3:48
